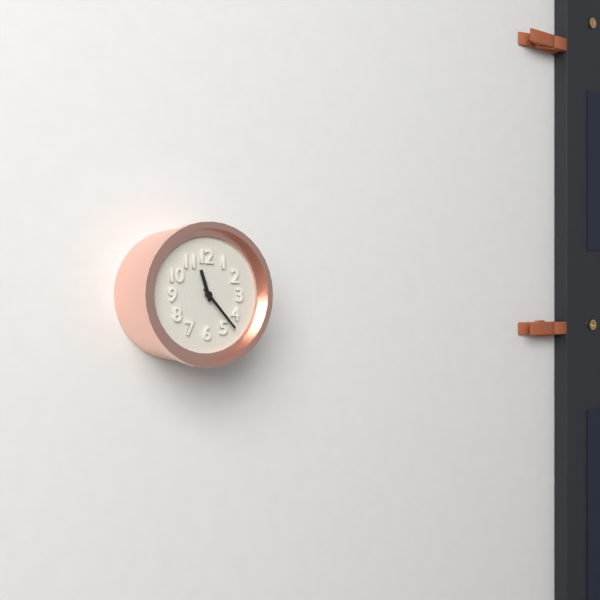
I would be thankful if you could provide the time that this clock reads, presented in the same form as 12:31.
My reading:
11:23
